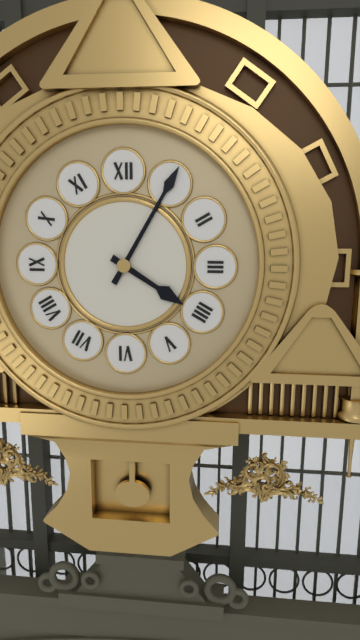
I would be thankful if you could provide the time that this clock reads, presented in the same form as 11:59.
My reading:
4:05
